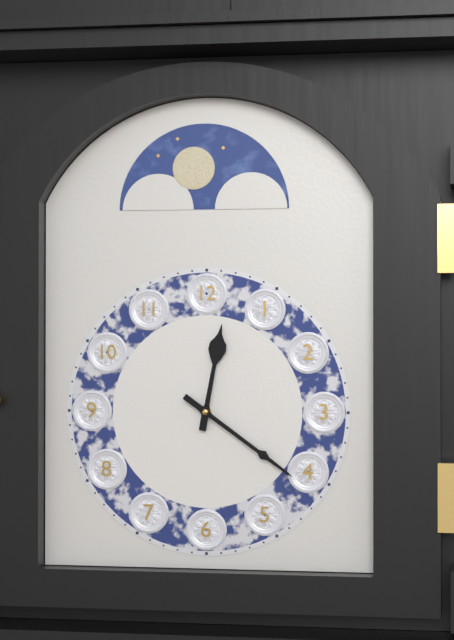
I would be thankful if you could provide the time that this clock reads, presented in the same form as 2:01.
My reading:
12:21
